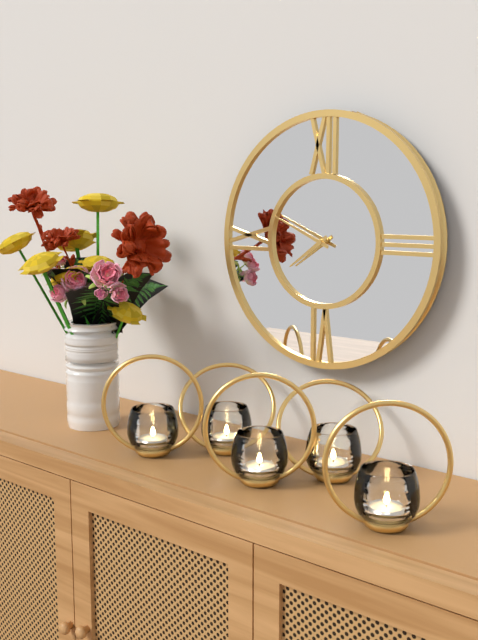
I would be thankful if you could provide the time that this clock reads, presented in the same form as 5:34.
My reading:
7:49
